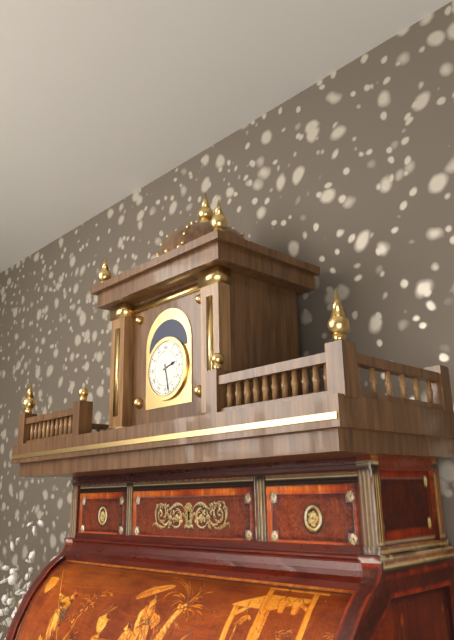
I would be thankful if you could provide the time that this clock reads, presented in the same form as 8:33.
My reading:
2:28
